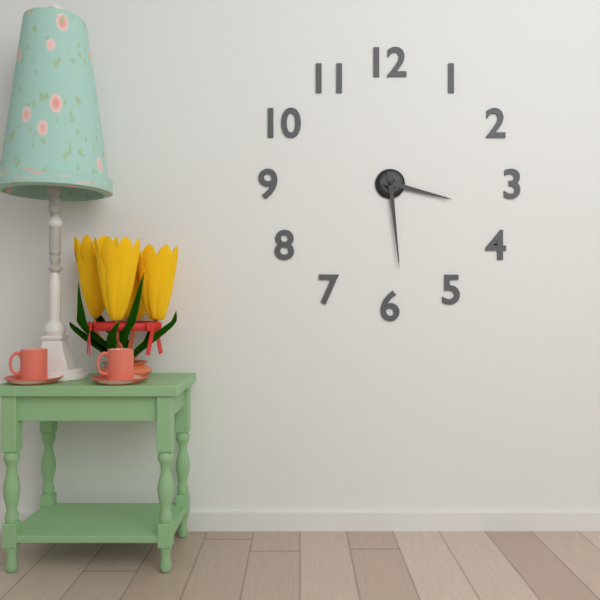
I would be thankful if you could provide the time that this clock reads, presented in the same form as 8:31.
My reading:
3:29
